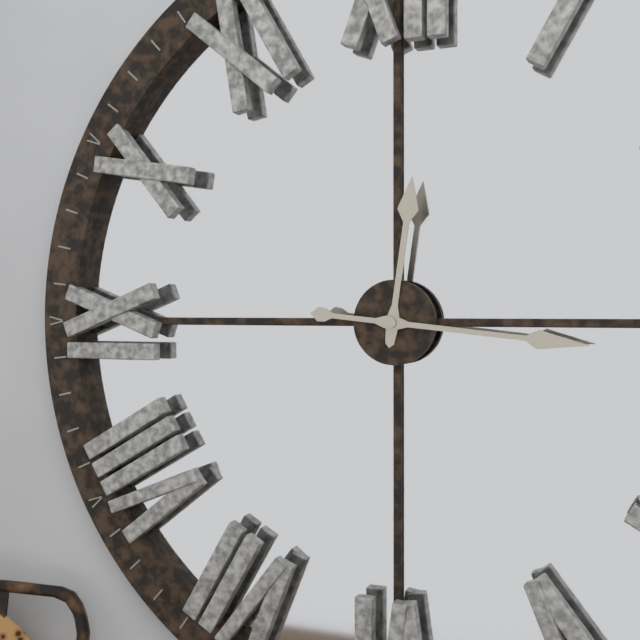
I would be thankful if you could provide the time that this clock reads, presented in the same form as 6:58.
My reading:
12:16
